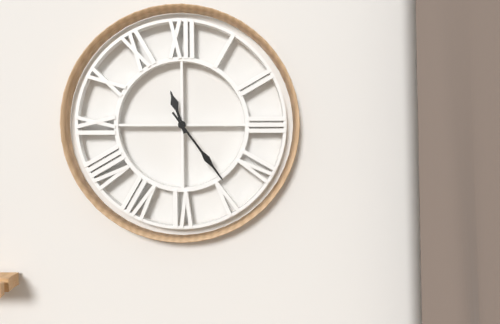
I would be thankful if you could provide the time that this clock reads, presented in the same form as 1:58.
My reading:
11:24
